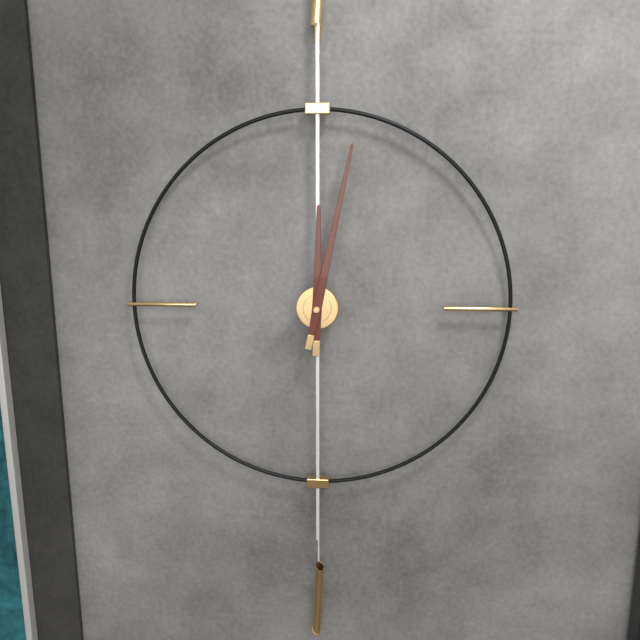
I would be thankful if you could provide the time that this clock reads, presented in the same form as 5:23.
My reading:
12:02
